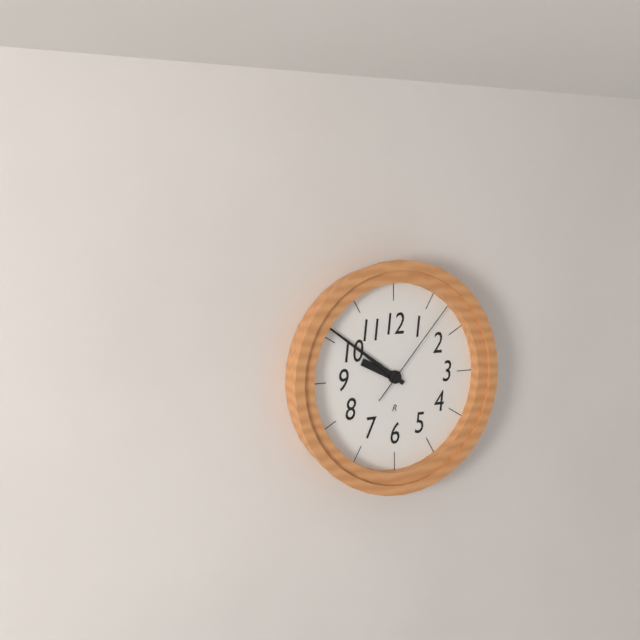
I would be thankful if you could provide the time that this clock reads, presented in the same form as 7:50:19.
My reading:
9:51:07
